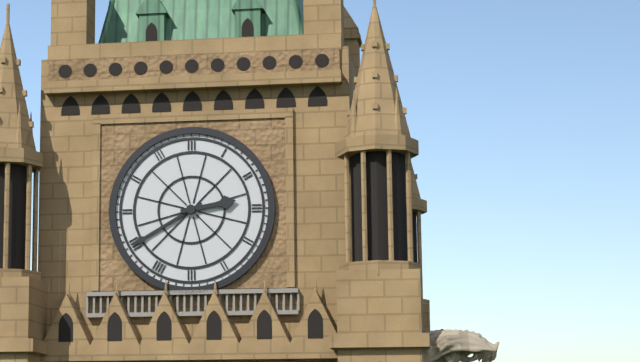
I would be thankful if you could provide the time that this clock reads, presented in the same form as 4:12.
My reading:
2:40
